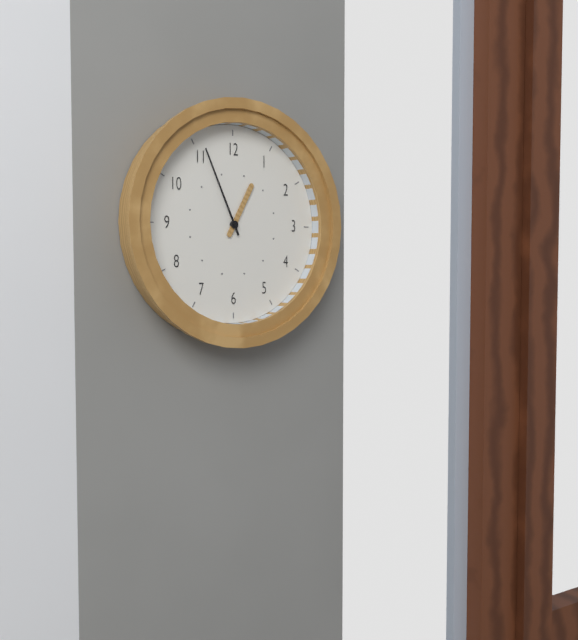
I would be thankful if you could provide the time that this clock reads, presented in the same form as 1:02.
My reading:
12:56
